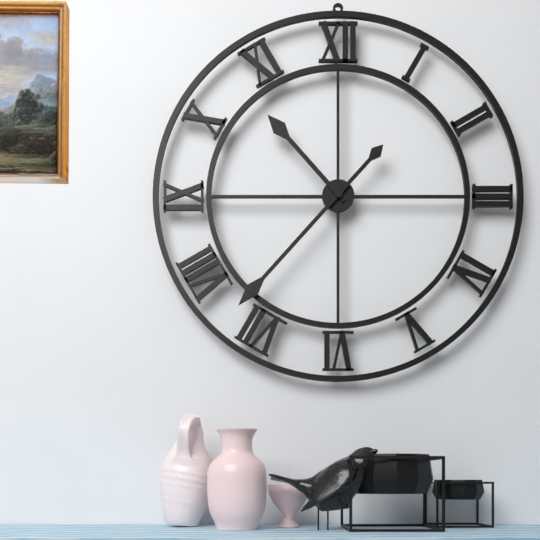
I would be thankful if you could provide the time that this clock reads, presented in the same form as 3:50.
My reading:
10:37
